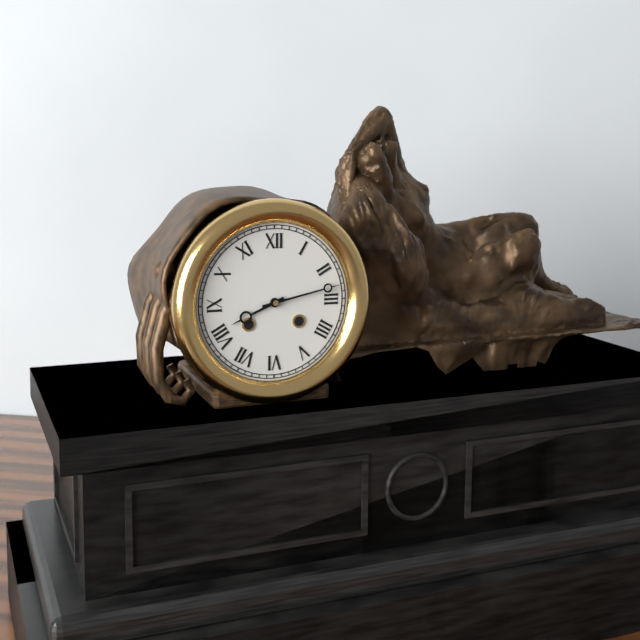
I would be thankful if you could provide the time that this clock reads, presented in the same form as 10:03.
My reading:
8:13
